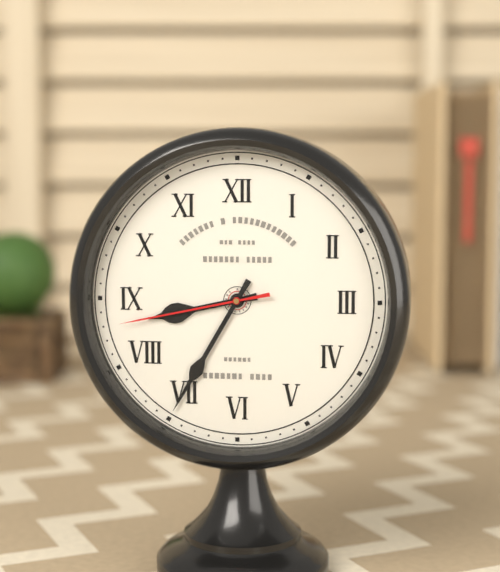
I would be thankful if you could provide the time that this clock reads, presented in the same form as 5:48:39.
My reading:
8:35:43
